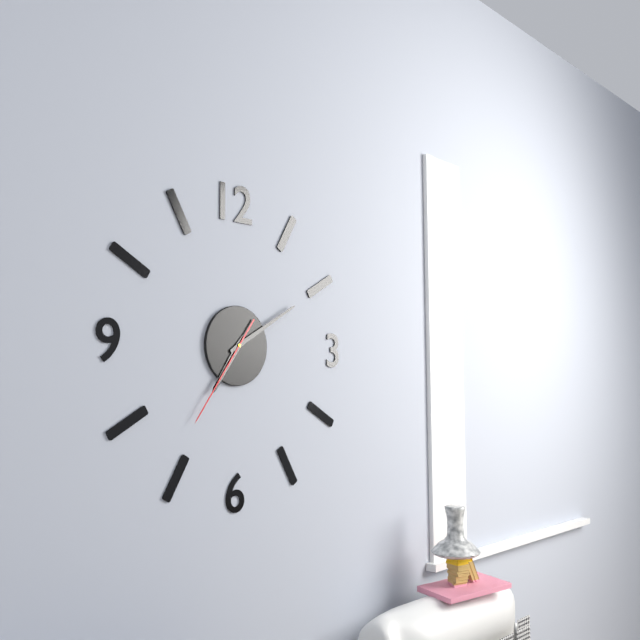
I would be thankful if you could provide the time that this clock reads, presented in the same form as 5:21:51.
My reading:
7:10:36
